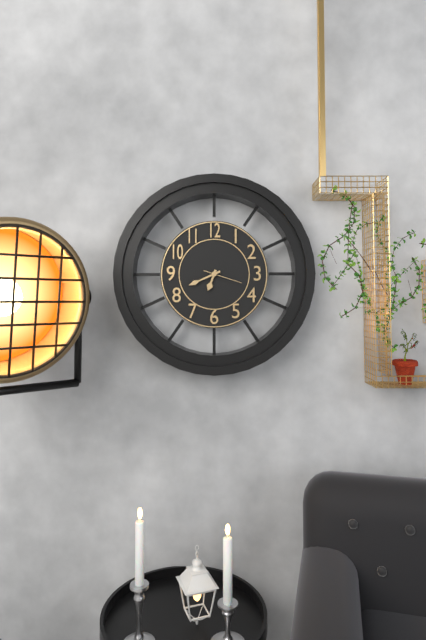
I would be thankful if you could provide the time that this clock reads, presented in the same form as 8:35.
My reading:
6:41
